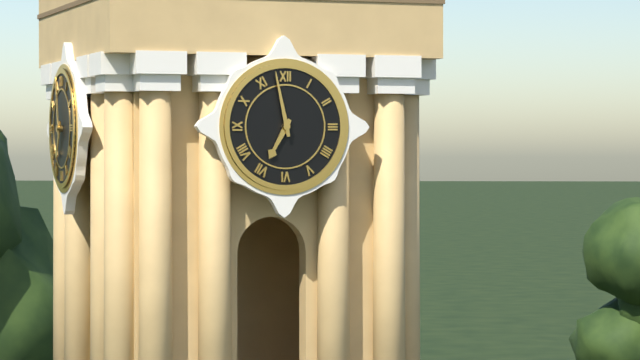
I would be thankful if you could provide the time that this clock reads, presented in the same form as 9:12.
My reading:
6:58
